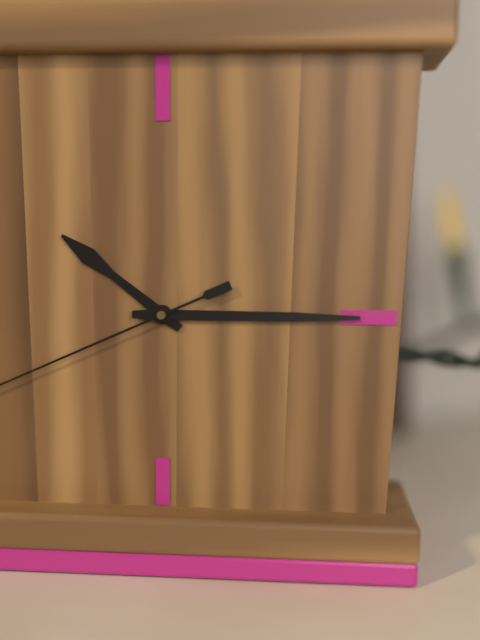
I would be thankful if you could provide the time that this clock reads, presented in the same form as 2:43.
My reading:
10:15
